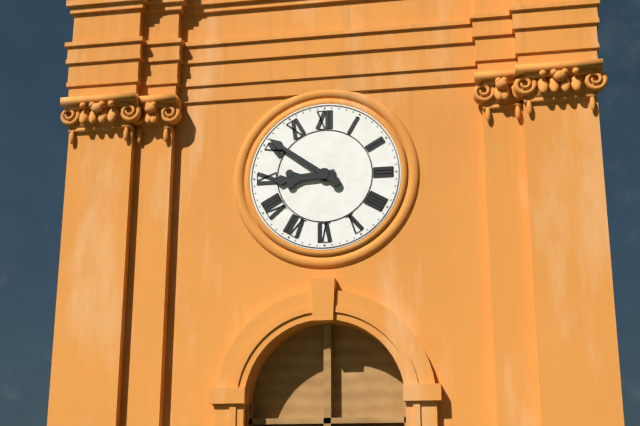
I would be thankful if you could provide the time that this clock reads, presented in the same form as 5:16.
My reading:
8:51
